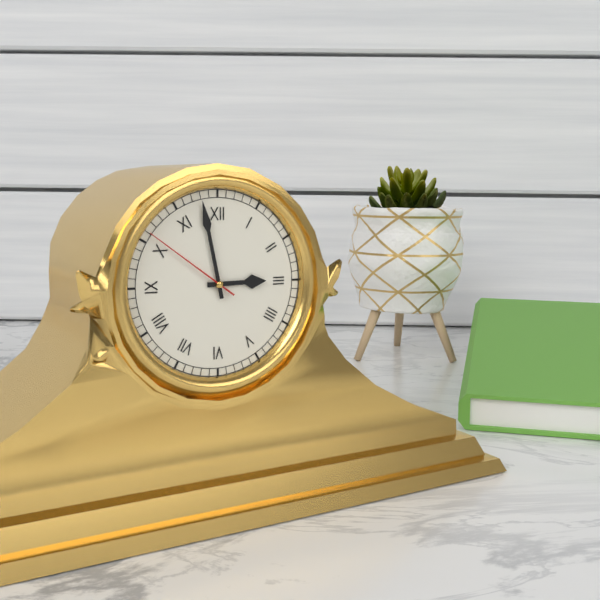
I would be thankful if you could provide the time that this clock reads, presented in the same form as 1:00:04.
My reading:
2:58:51
